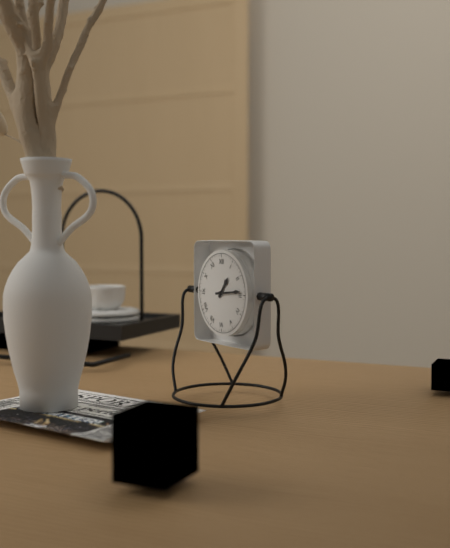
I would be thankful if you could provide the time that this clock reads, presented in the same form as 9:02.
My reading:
1:14
